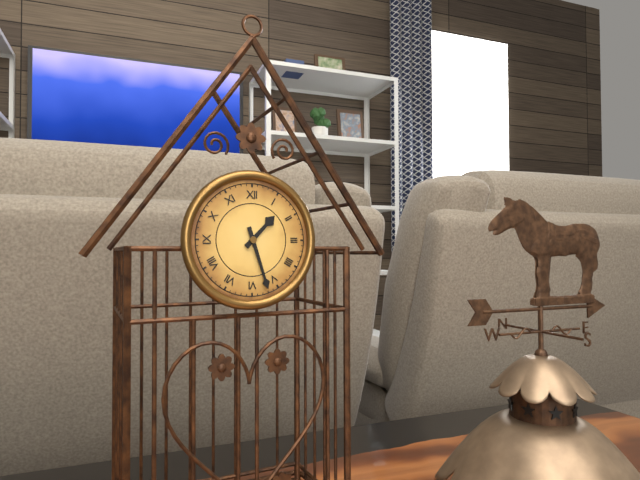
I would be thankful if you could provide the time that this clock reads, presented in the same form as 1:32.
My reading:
1:27
